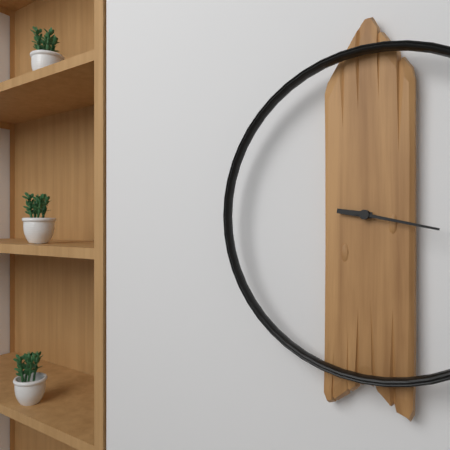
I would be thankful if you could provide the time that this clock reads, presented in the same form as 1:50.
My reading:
9:17
